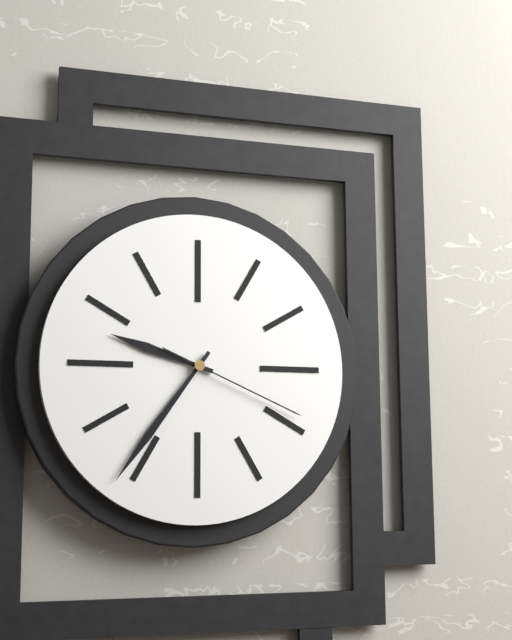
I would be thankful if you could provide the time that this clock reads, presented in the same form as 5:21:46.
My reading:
9:36:19
